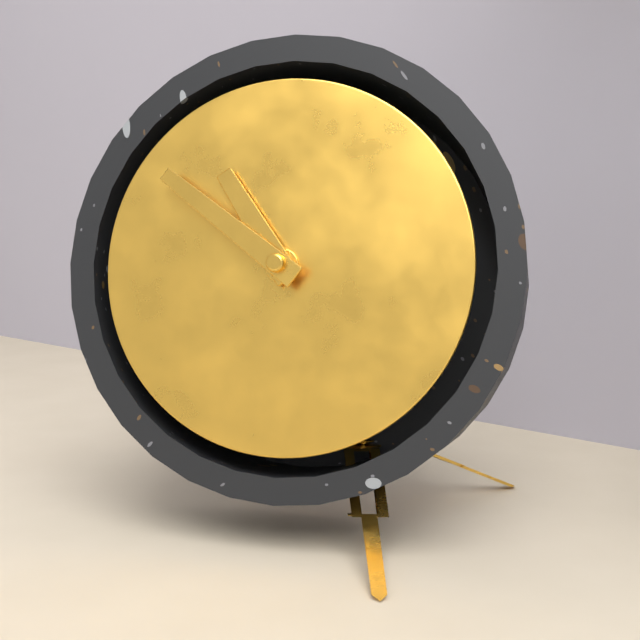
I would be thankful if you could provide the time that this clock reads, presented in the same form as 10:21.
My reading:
10:51
